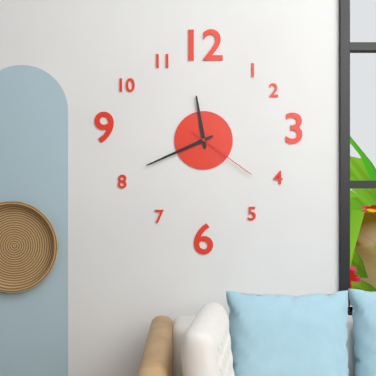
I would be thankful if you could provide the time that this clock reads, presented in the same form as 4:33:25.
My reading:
11:41:21
